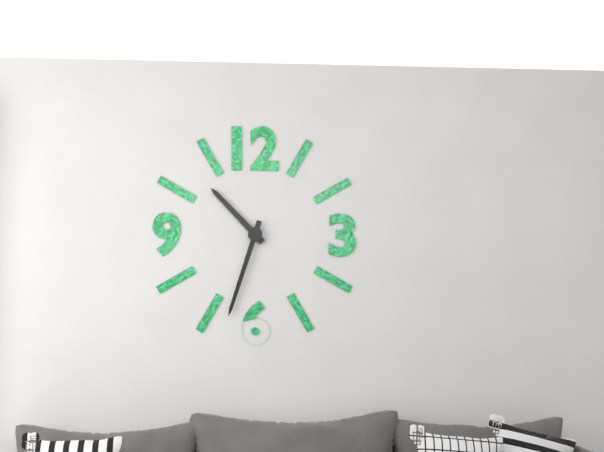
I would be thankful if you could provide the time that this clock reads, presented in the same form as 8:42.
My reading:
10:33
